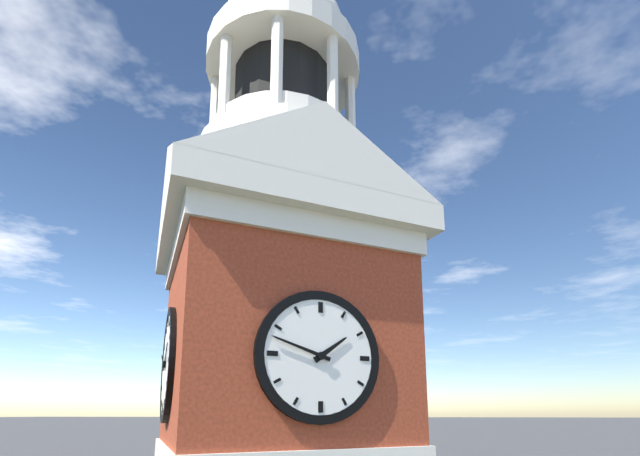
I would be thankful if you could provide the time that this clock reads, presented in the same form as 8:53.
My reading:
1:48
